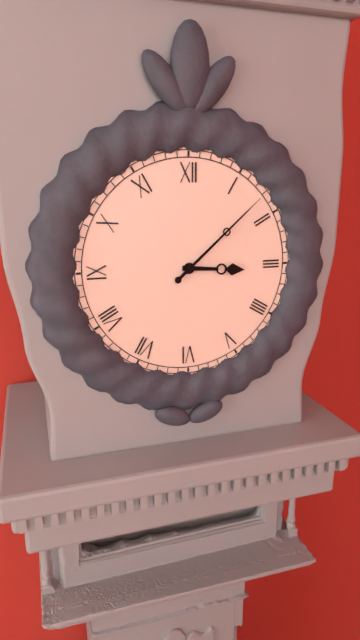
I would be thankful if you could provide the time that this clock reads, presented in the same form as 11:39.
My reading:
3:08
